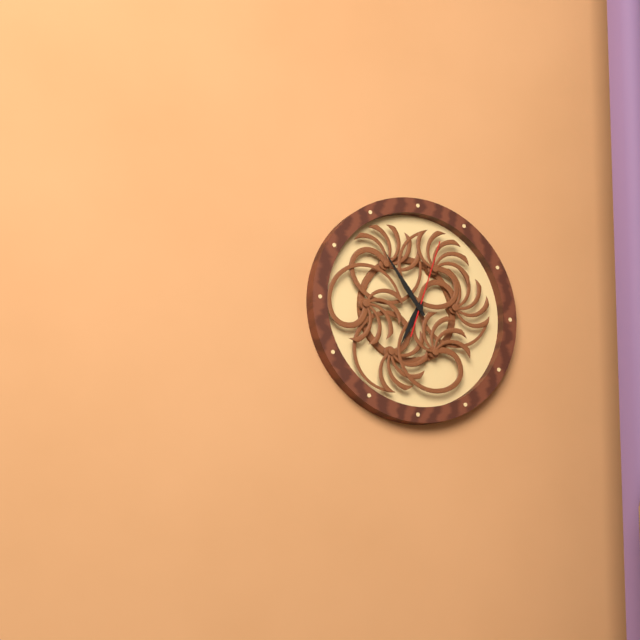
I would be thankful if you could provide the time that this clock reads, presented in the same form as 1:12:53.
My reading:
6:54:03
